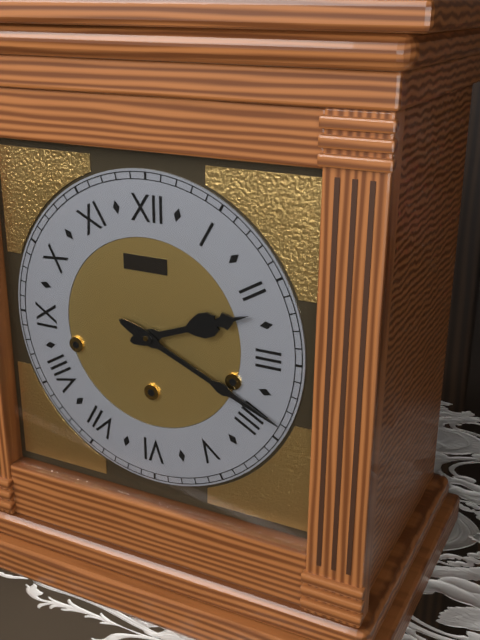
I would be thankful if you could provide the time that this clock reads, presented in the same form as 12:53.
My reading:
2:19
